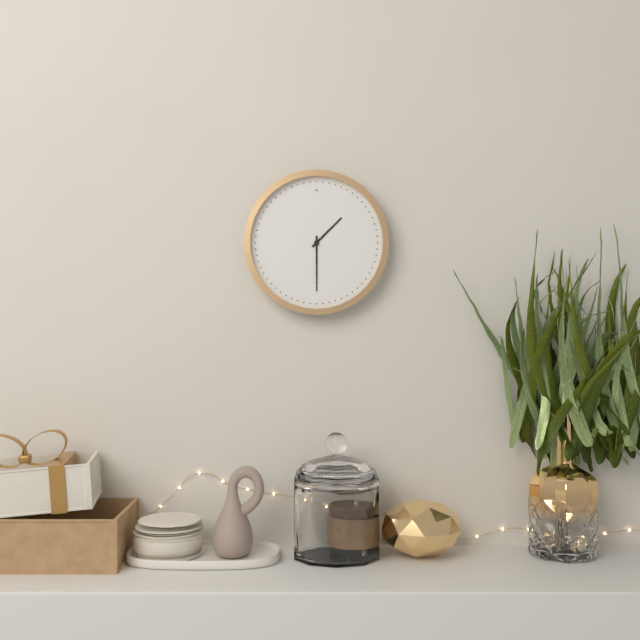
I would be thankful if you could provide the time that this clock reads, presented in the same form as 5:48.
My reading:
1:30
